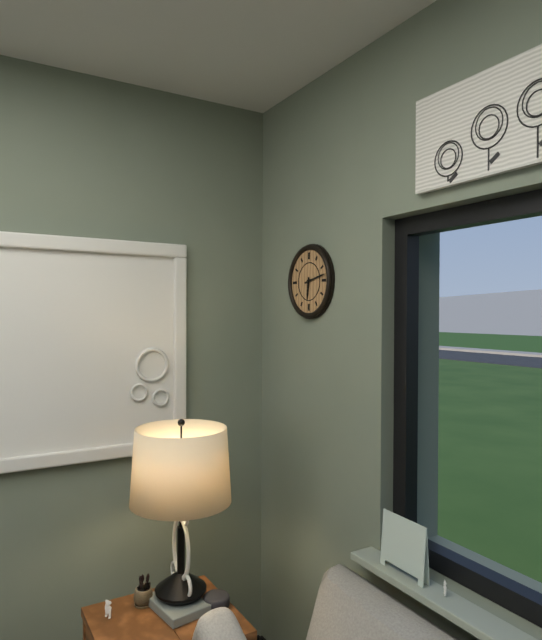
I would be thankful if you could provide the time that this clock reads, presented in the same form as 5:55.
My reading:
6:13
